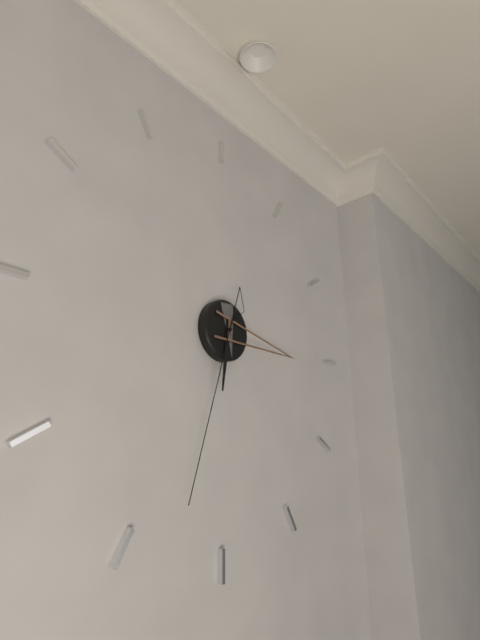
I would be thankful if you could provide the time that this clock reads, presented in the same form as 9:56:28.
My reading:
6:16:33
